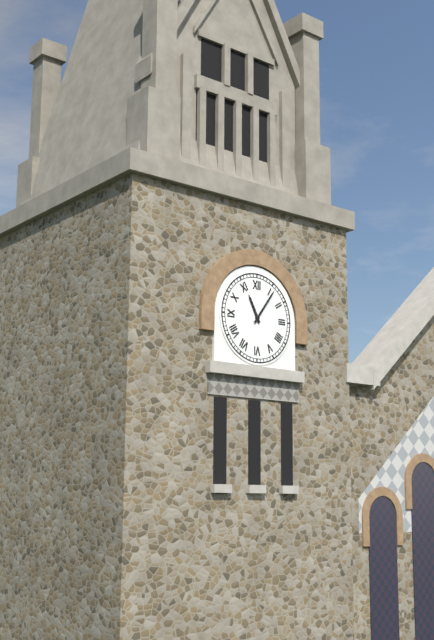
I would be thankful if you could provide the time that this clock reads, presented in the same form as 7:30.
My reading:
11:06
